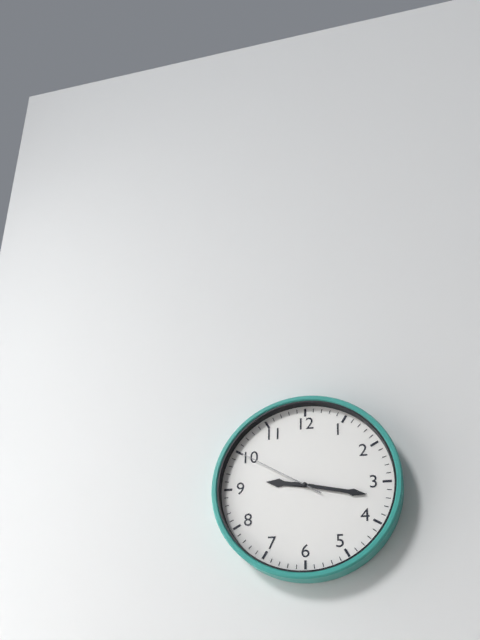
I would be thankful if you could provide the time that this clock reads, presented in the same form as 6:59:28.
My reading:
9:17:50
